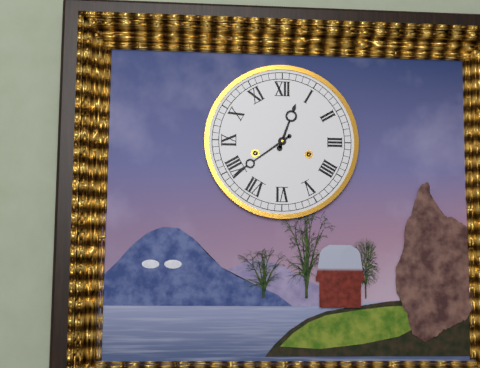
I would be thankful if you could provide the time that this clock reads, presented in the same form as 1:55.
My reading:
12:39
